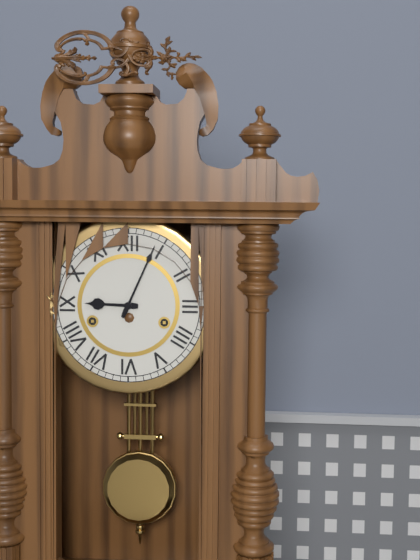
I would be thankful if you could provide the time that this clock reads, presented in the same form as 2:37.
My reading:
9:04
